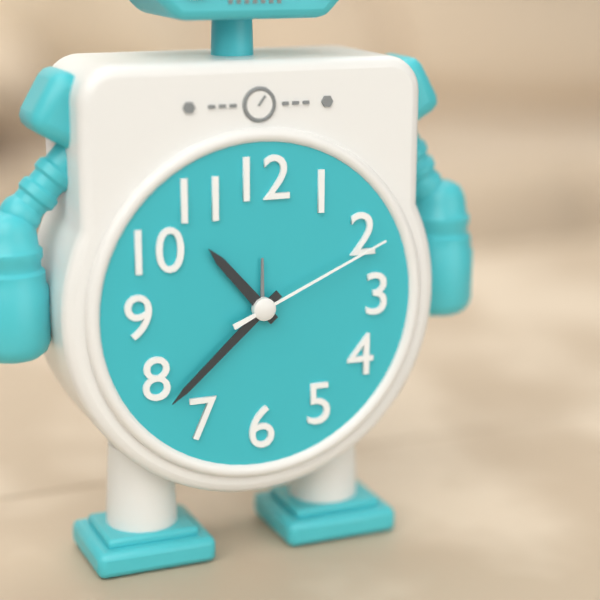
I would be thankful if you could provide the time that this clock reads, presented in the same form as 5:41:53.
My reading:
10:38:11
